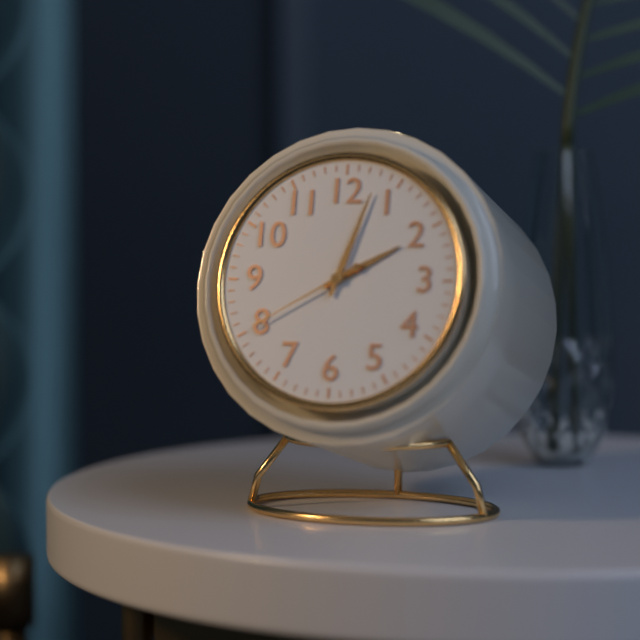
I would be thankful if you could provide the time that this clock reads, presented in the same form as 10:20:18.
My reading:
2:03:40
